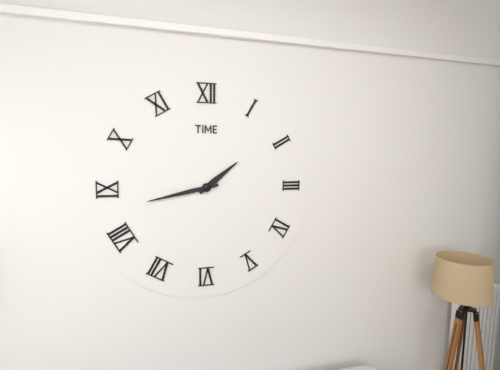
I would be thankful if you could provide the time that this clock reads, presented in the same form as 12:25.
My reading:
1:43
